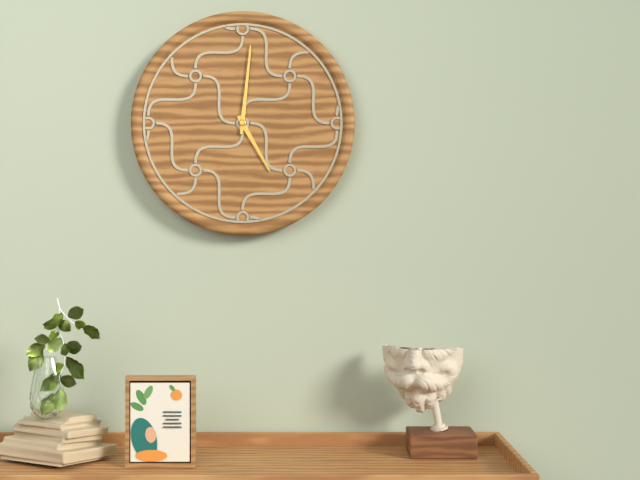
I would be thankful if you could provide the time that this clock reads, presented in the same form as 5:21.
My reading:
5:01
